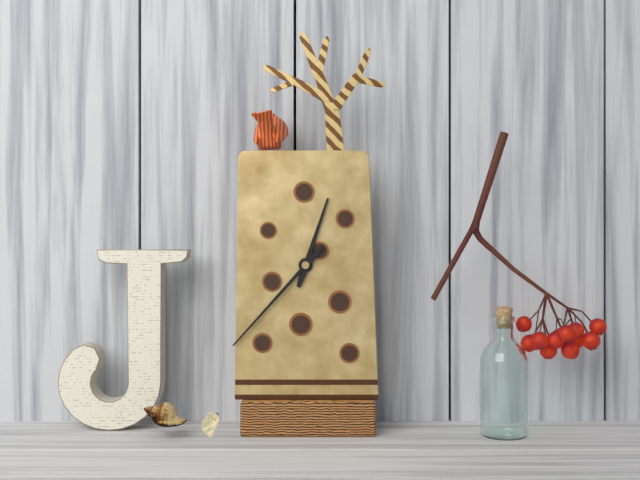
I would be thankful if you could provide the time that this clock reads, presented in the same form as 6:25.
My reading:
12:37
